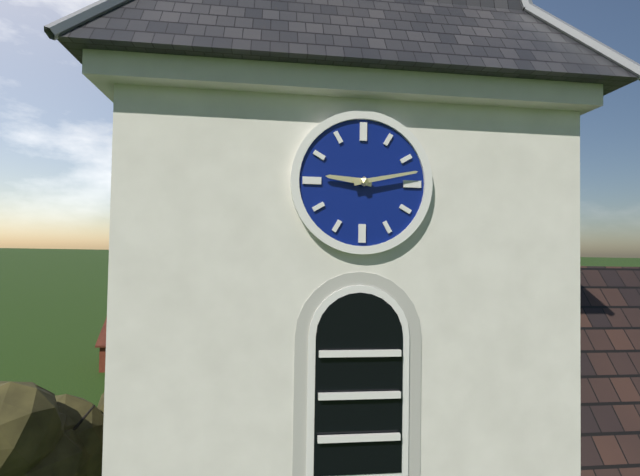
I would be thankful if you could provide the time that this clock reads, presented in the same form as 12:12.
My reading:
9:13
